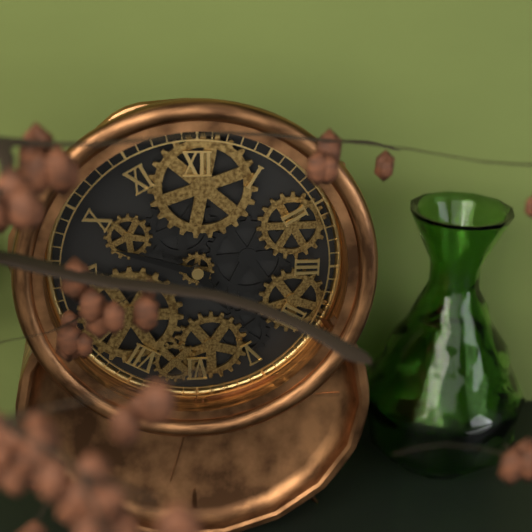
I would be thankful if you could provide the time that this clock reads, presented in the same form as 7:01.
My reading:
4:48
